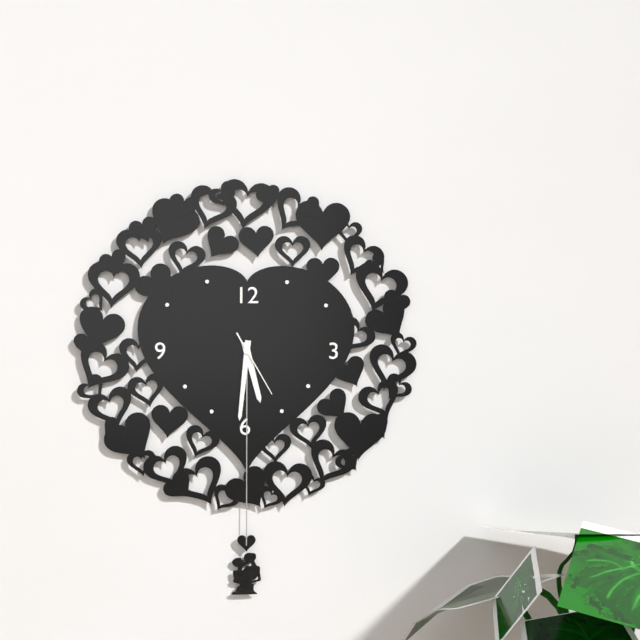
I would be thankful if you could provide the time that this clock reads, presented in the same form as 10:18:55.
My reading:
5:31:25
